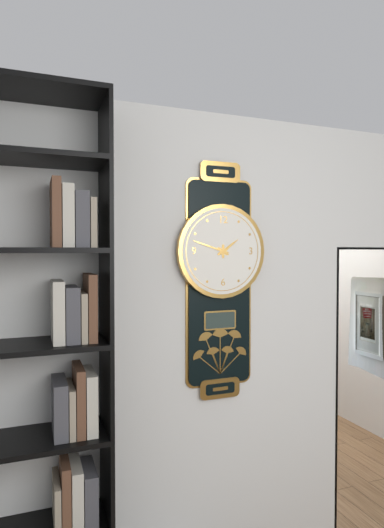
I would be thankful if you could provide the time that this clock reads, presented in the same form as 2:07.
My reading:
1:48
